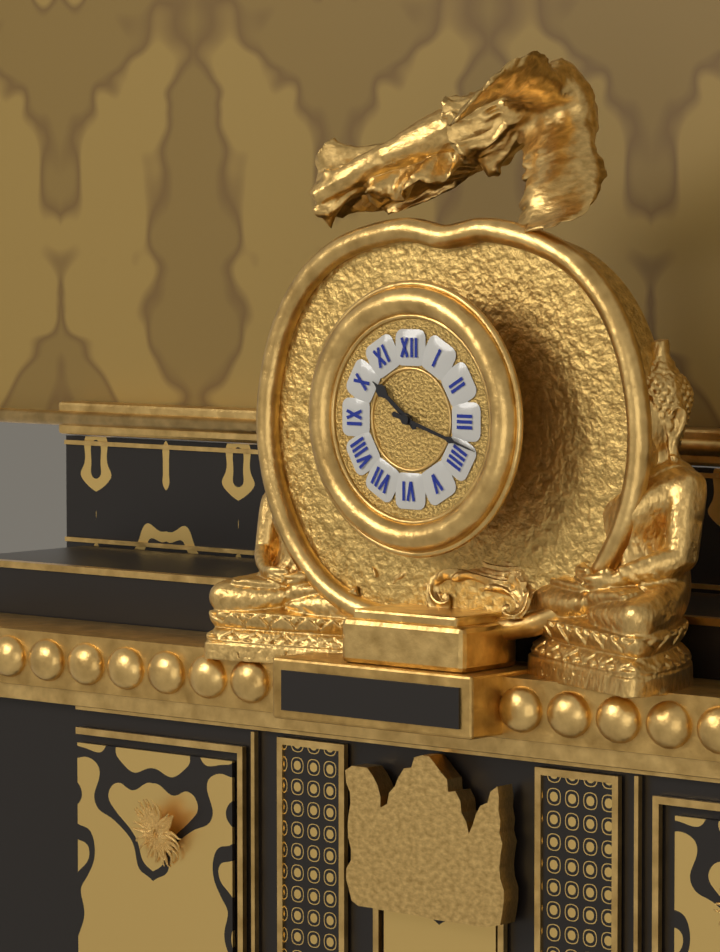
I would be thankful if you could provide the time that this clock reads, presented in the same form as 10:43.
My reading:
10:18
